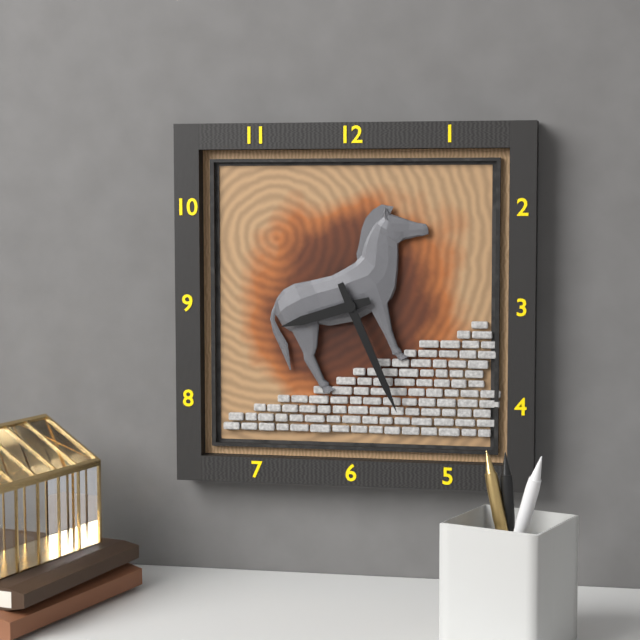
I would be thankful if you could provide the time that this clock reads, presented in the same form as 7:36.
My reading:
8:26
